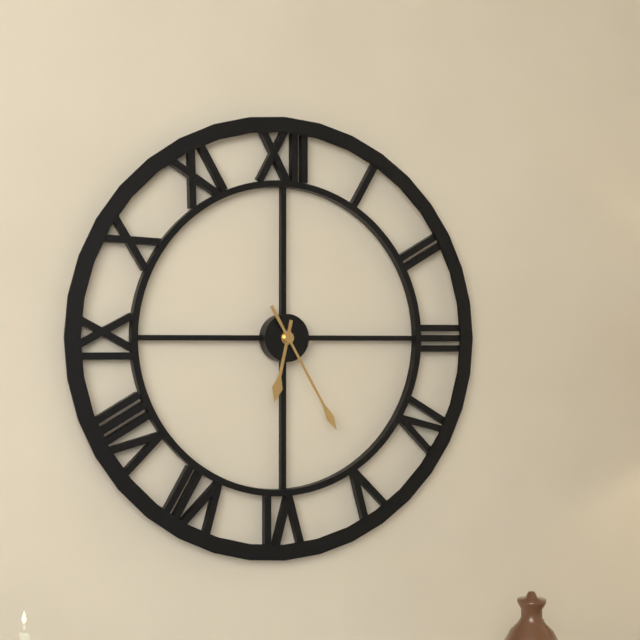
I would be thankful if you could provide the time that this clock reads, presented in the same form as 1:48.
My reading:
6:25
